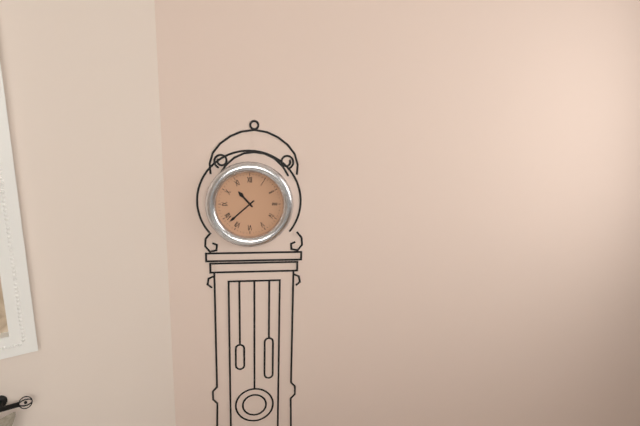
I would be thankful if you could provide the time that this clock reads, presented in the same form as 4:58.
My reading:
10:38
